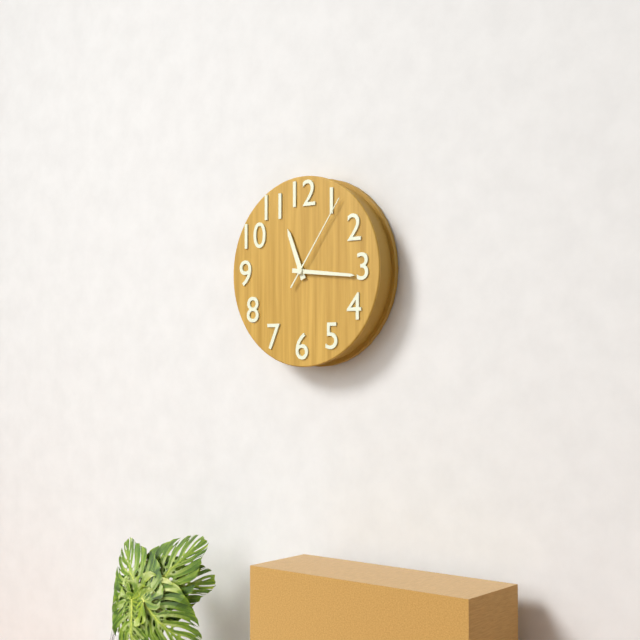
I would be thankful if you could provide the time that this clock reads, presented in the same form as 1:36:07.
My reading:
11:16:06
